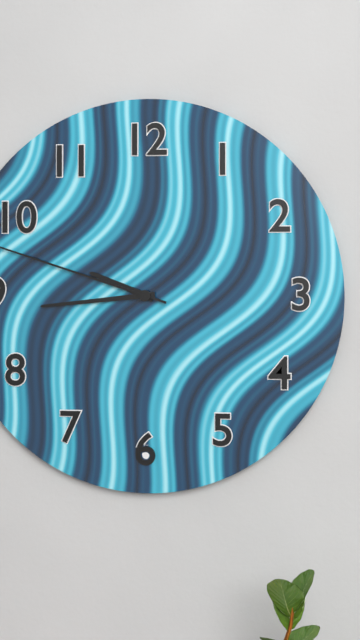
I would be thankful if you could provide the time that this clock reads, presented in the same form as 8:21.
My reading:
9:44
